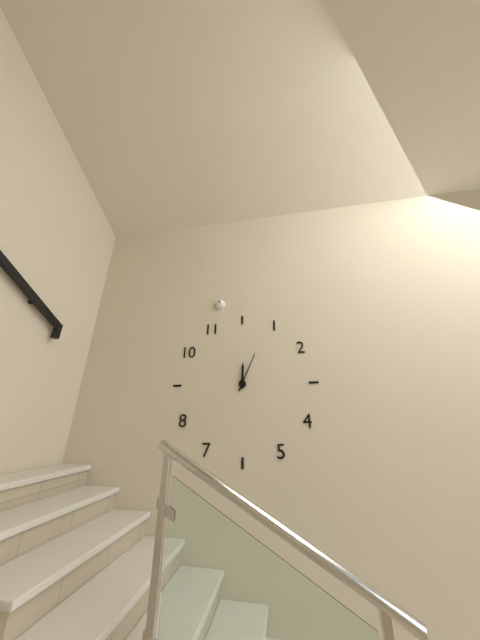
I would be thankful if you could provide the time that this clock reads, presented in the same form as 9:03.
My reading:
12:04
